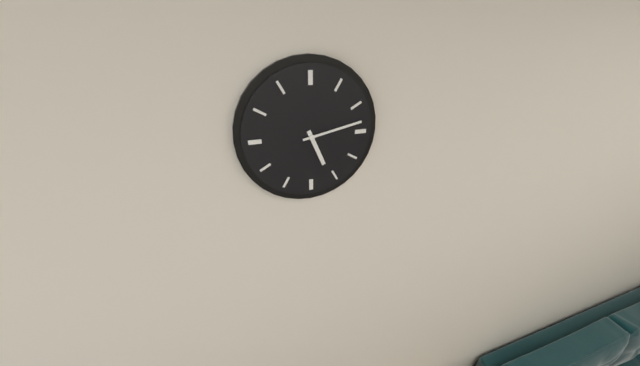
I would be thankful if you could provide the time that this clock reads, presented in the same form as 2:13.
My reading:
5:13
